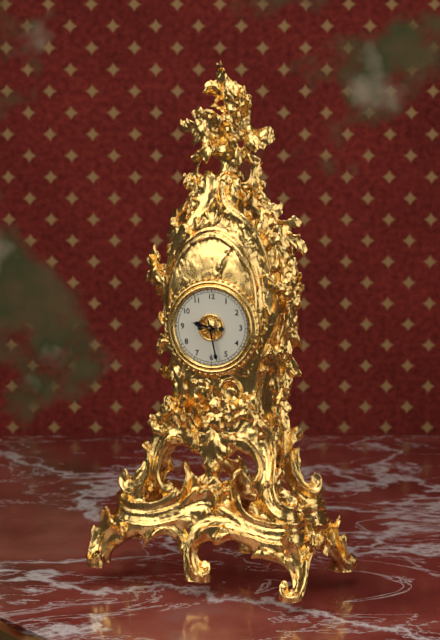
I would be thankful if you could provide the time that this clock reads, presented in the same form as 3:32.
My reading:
9:28
